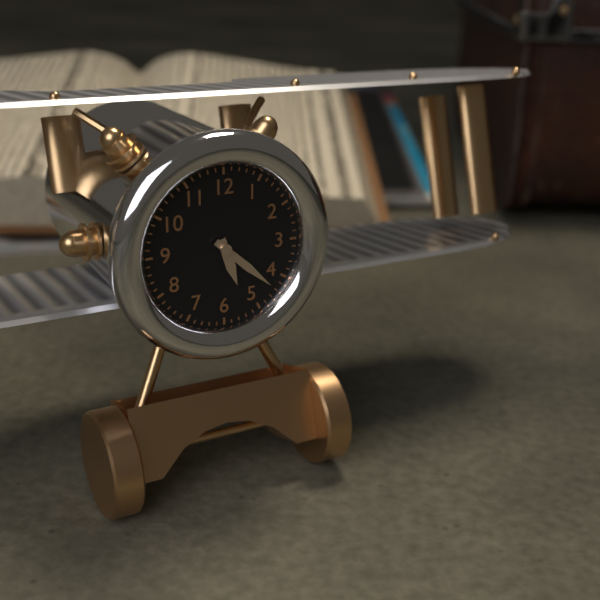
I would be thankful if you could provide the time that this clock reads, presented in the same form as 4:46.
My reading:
5:22
